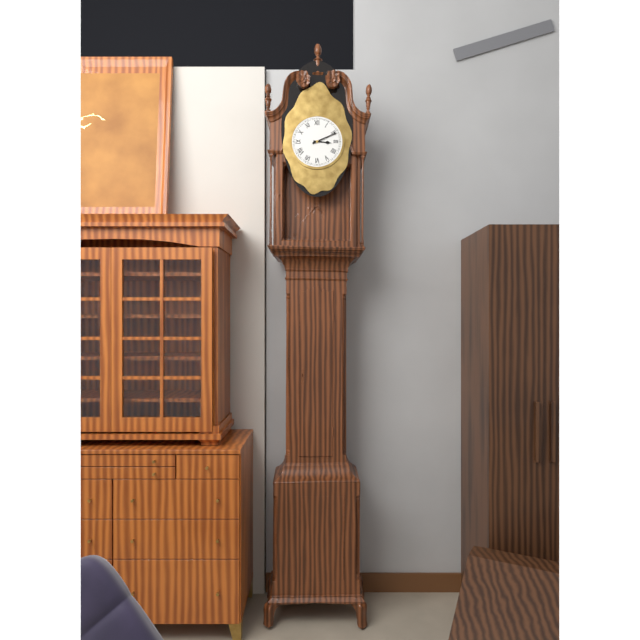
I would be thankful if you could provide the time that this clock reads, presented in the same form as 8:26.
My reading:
3:11
